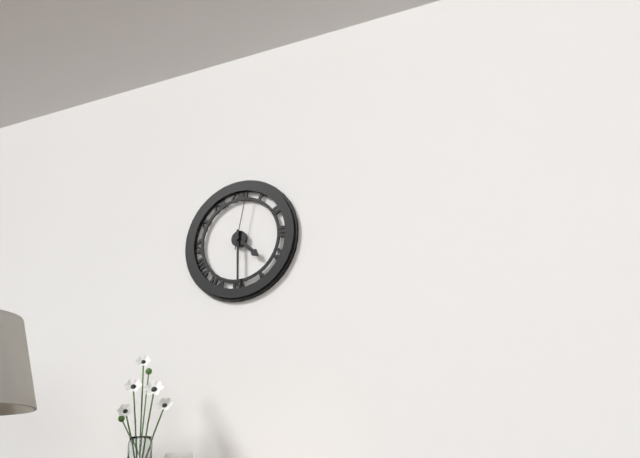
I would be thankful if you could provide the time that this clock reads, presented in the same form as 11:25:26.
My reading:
4:30:02
